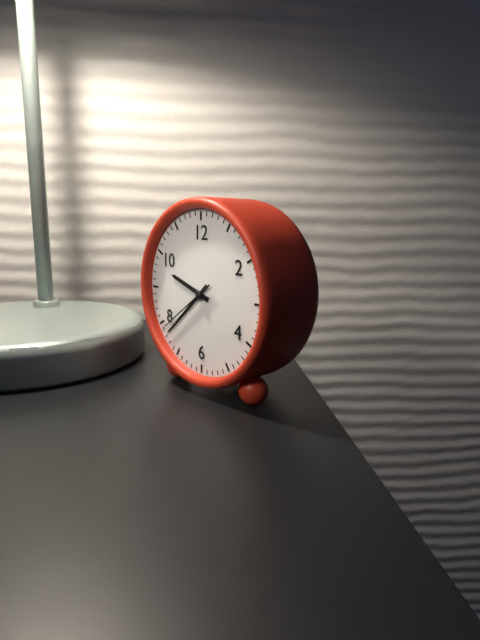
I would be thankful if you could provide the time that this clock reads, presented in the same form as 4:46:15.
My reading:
9:38:39
